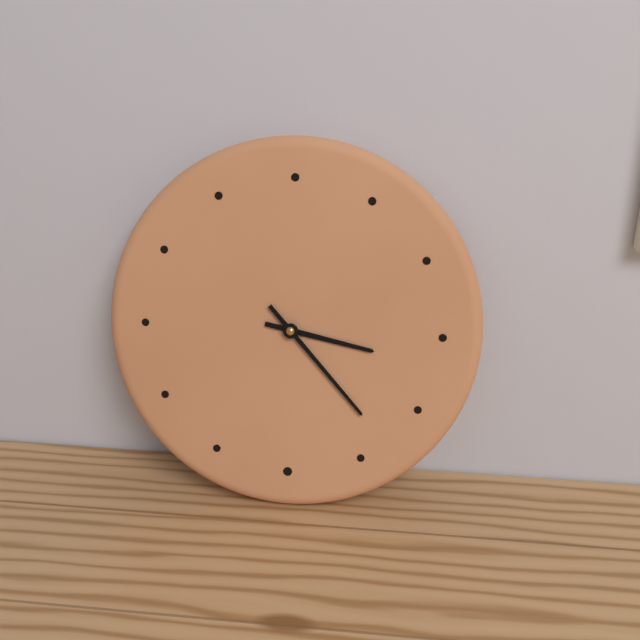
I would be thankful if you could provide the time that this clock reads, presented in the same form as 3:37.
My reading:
3:23
